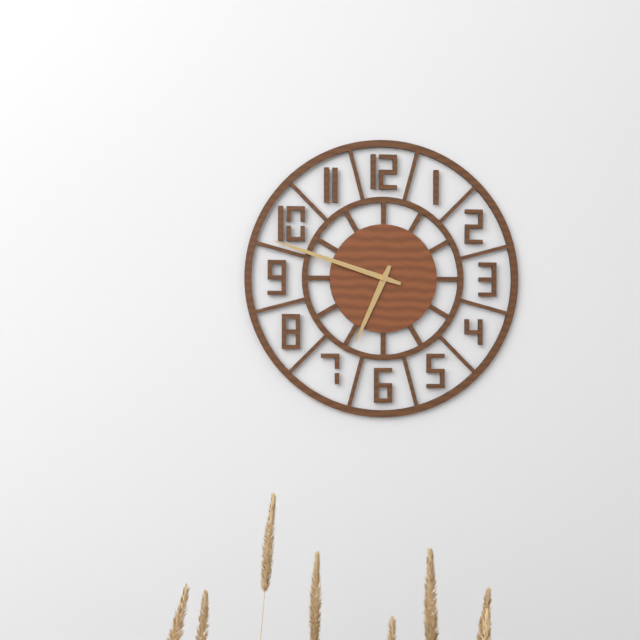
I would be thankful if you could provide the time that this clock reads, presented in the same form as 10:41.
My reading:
6:48
